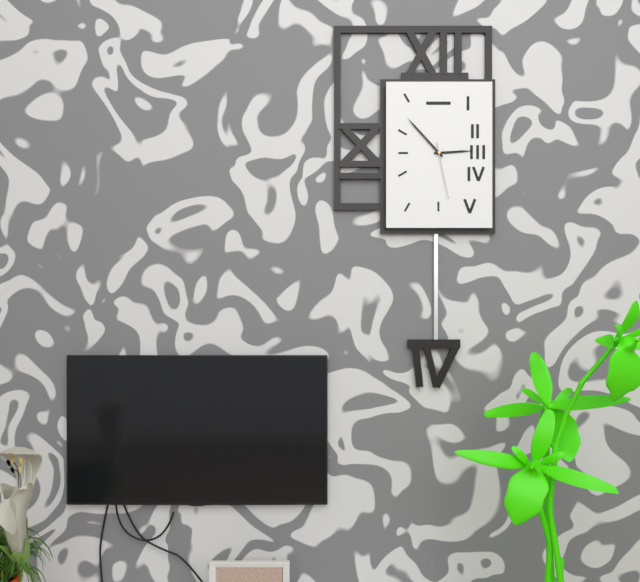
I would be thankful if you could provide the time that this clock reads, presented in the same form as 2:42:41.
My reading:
2:53:28
